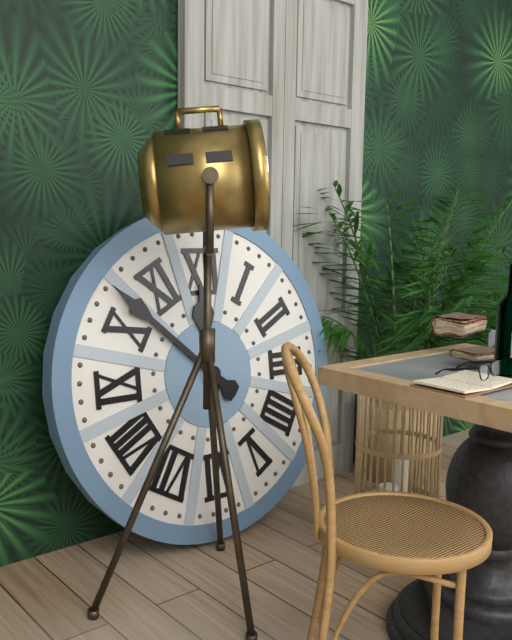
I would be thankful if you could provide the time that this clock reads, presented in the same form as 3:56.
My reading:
11:52
